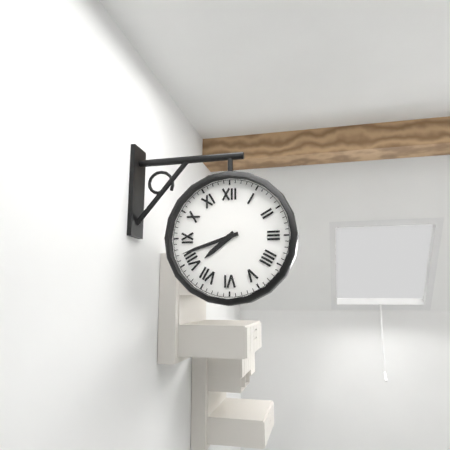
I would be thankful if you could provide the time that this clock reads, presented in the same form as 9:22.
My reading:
7:42
